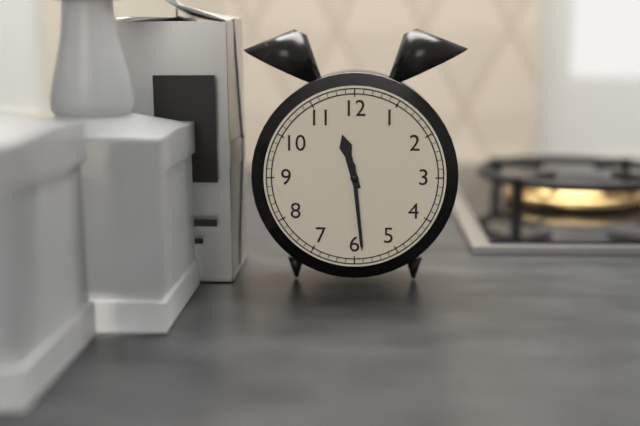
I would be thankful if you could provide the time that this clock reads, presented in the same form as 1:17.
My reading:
11:29
